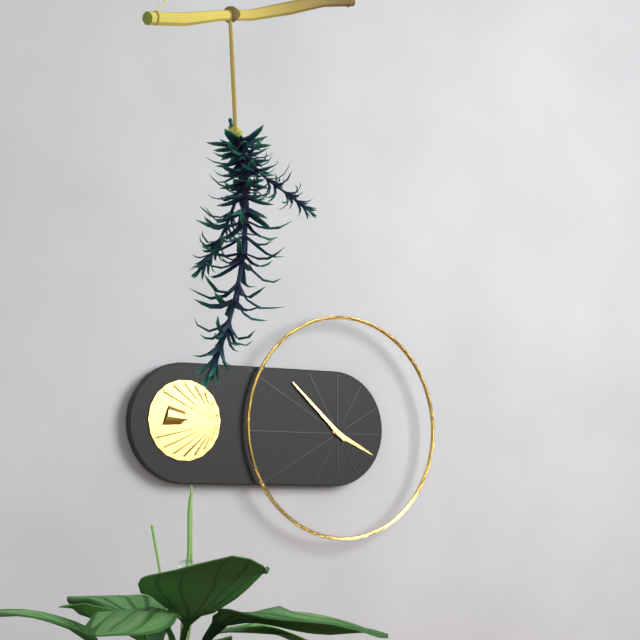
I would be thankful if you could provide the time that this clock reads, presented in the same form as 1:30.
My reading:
3:52
